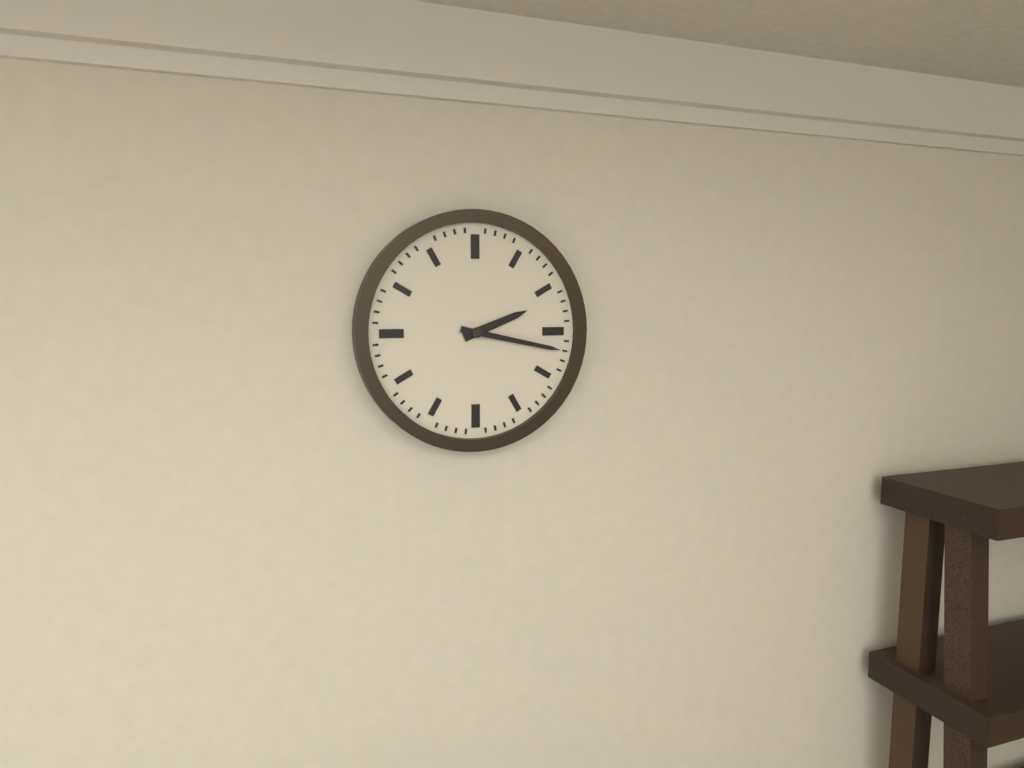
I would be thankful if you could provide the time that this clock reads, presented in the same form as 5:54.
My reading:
2:17
